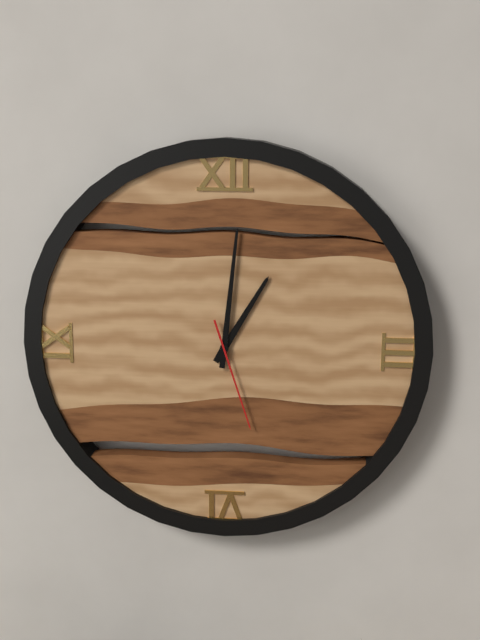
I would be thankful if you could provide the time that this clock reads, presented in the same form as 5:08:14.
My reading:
1:01:27
